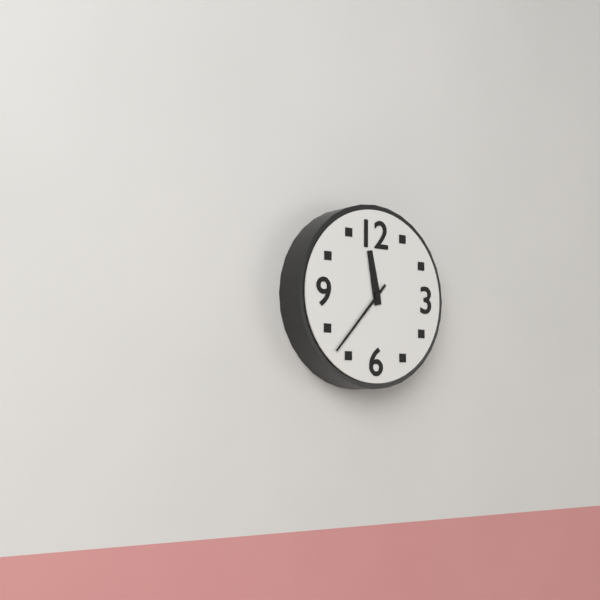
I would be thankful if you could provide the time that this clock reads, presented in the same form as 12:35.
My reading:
11:37
